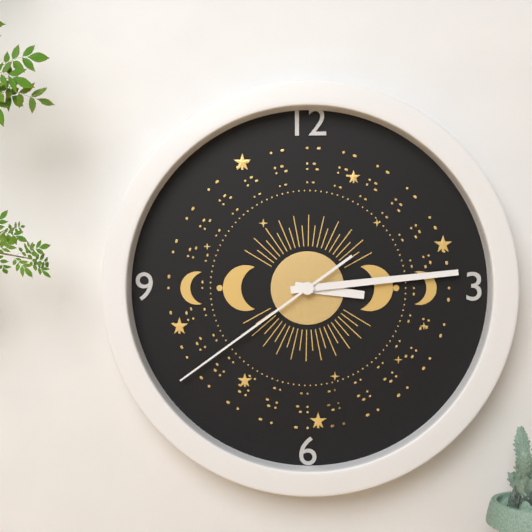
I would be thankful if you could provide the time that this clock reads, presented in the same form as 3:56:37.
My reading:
3:14:39
